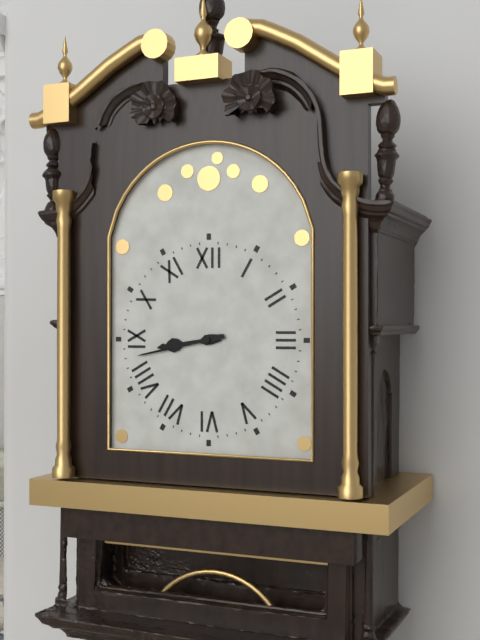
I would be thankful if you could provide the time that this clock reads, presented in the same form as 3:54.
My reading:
8:43
